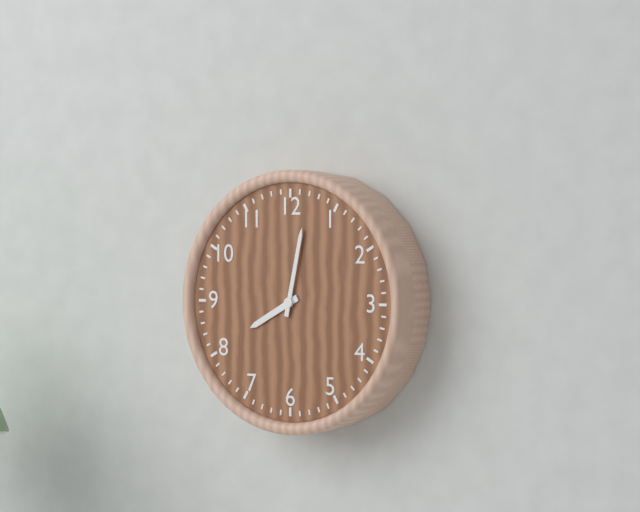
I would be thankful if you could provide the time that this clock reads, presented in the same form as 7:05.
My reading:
8:02
